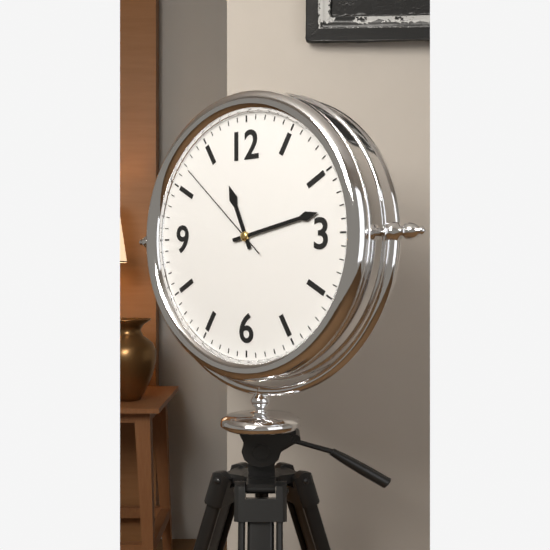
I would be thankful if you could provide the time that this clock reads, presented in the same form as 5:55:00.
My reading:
11:13:52
